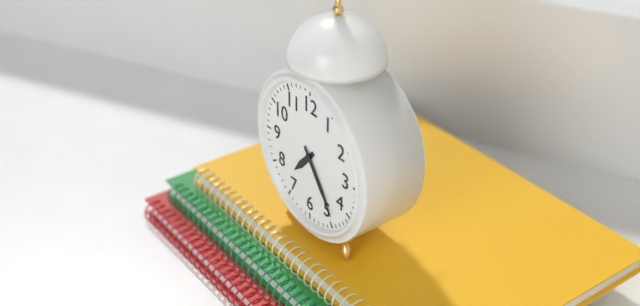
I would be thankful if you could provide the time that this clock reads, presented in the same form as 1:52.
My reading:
7:24
